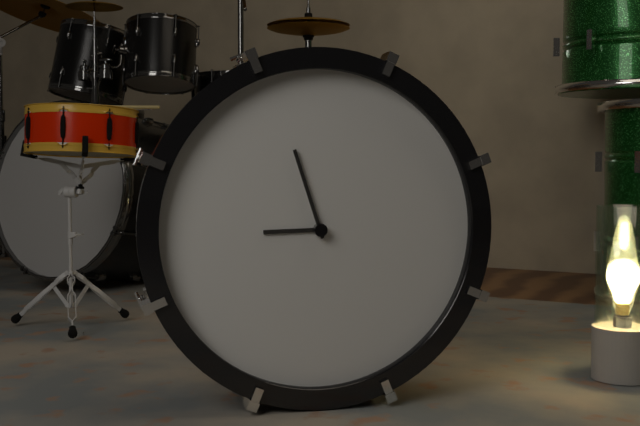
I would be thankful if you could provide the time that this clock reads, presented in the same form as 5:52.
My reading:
8:57
